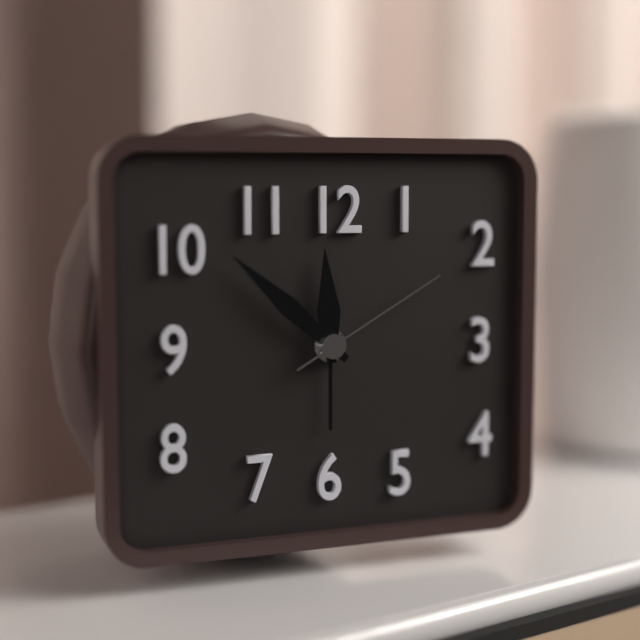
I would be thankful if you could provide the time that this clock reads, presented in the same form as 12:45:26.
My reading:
11:52:10
